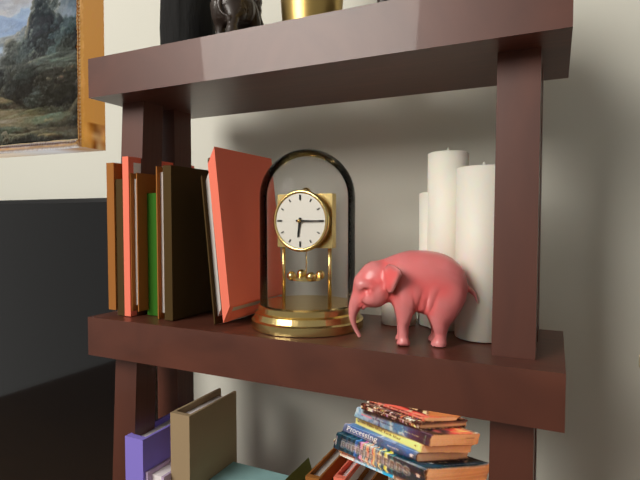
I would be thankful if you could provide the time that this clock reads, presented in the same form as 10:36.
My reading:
6:15
